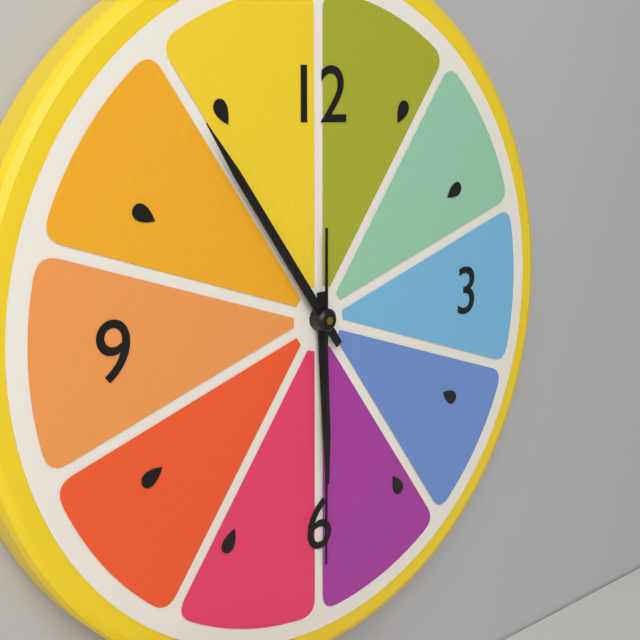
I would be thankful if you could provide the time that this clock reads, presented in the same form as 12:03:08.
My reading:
5:54:30
